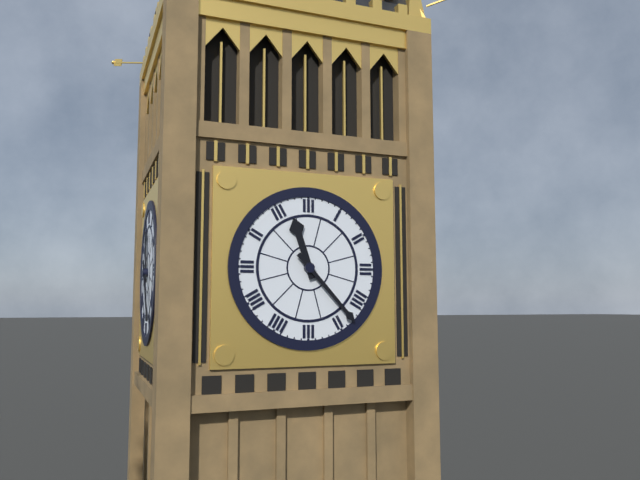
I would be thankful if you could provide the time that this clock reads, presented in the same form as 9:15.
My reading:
11:23
